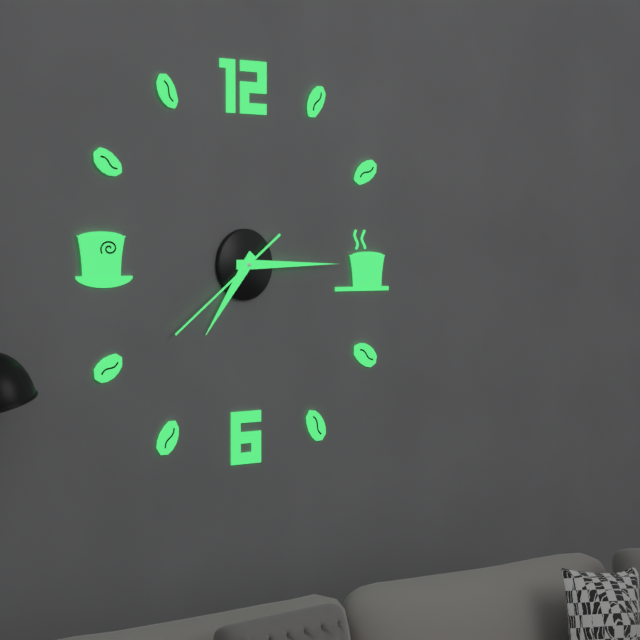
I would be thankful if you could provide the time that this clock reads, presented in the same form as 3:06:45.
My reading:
7:15:39
